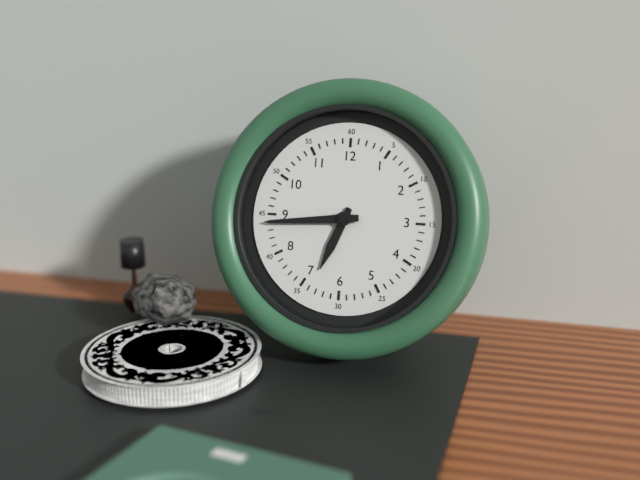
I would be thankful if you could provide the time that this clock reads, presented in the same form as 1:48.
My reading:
6:44
